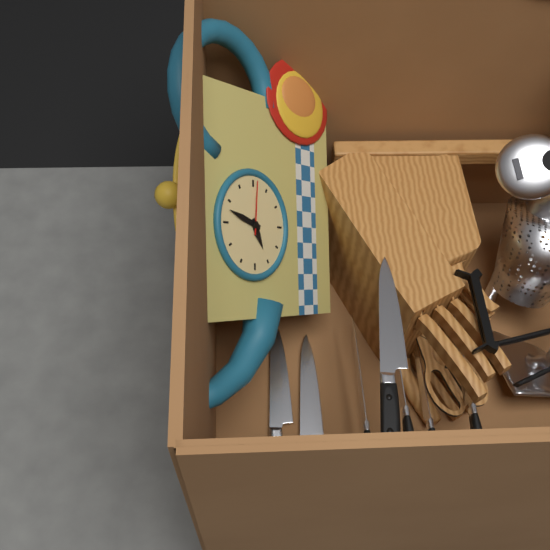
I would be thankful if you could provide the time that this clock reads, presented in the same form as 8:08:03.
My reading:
8:03:16
